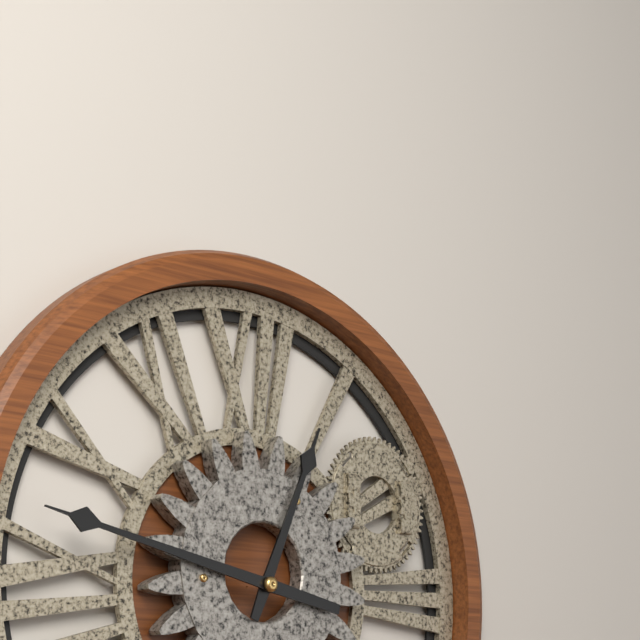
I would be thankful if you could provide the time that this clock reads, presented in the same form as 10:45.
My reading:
12:47
